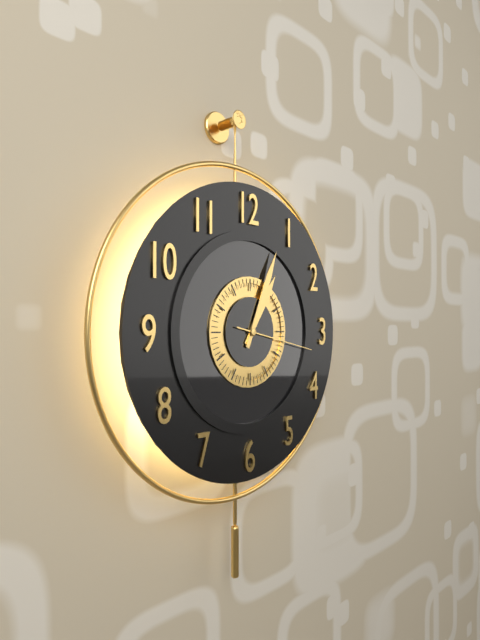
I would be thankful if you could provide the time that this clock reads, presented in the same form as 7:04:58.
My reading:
1:04:17
